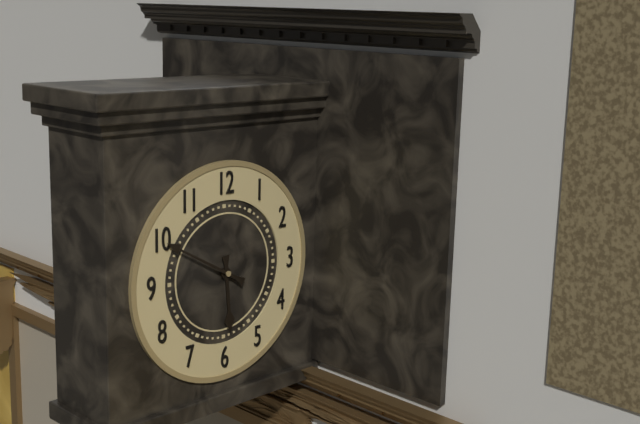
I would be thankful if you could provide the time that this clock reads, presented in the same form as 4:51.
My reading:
5:50
